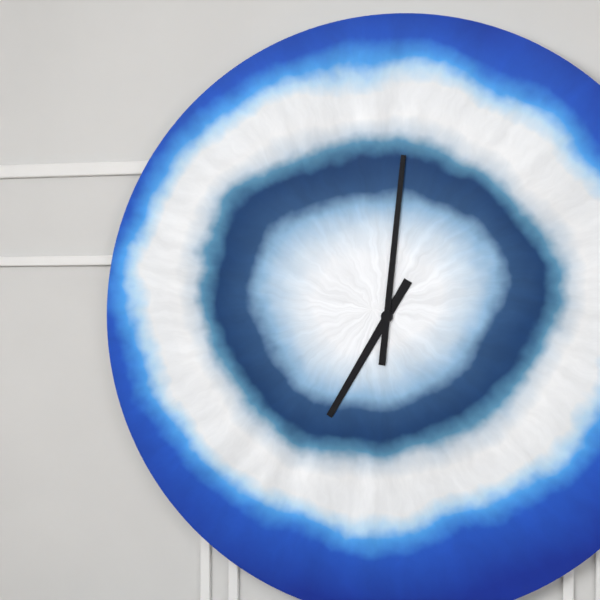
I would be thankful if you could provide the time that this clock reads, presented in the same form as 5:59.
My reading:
7:01
